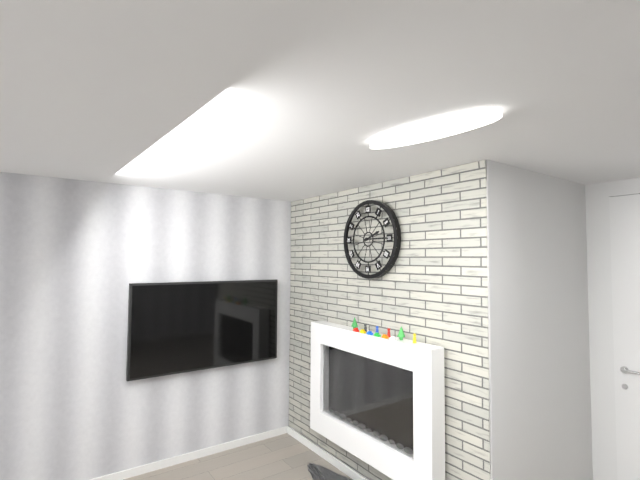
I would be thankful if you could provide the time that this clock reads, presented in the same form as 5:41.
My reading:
2:15
